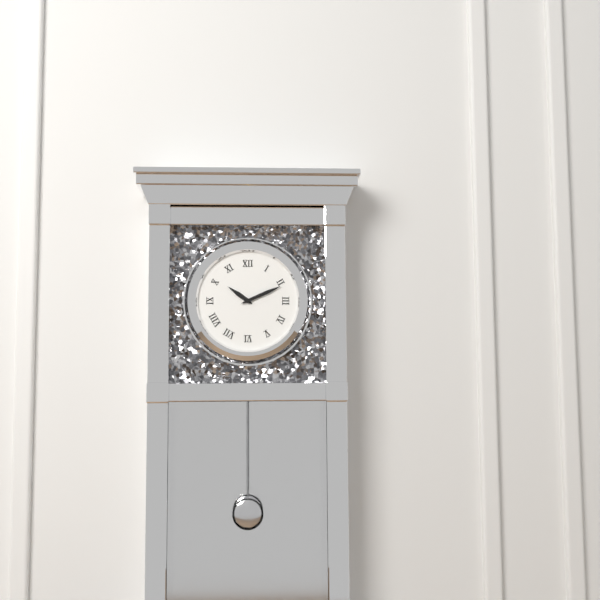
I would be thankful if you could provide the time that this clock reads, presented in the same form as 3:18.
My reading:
10:11
